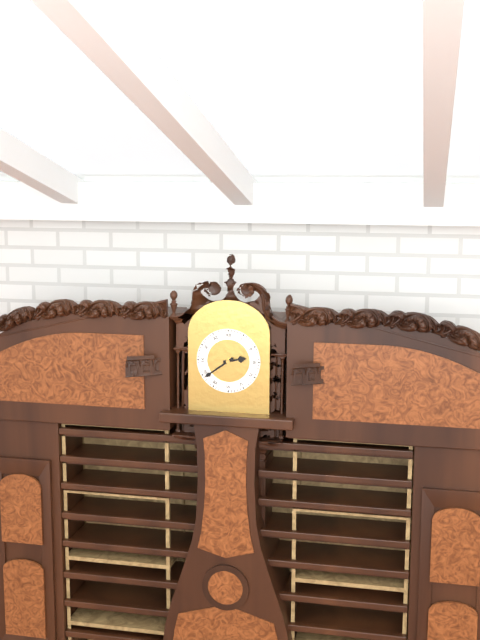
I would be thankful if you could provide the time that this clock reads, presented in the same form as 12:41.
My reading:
2:39
